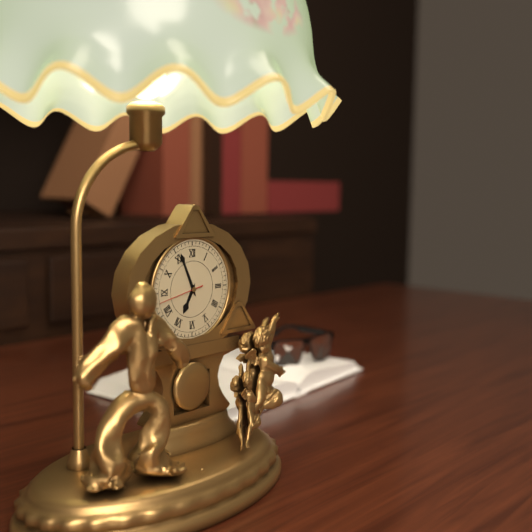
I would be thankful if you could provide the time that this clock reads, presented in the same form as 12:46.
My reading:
6:56
